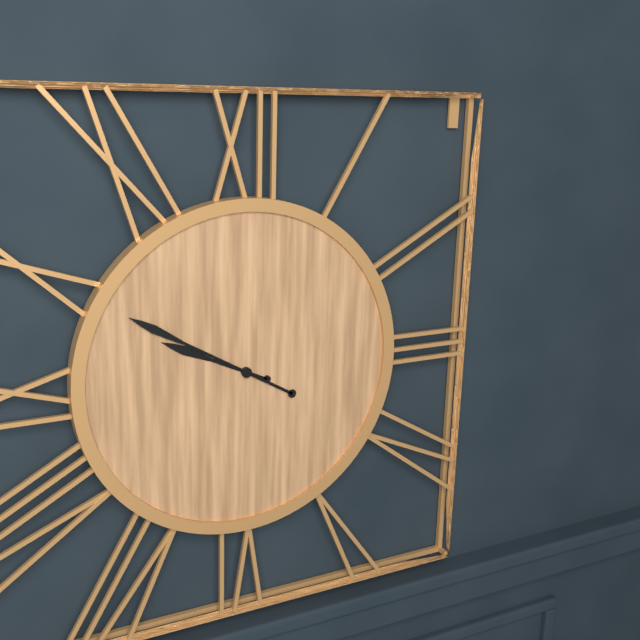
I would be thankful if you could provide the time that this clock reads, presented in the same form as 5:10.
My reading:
9:50
